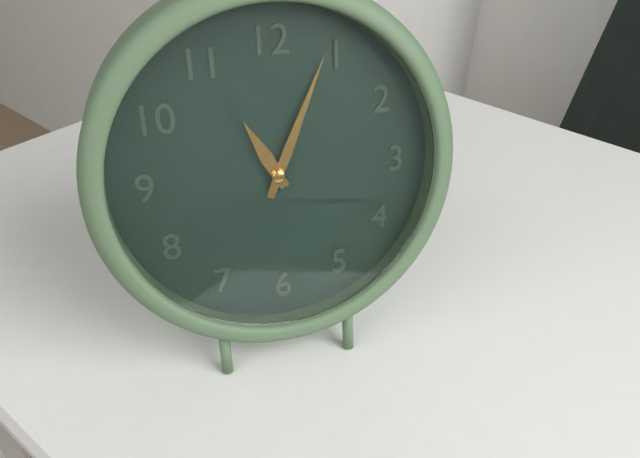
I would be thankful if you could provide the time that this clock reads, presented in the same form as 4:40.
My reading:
11:04
